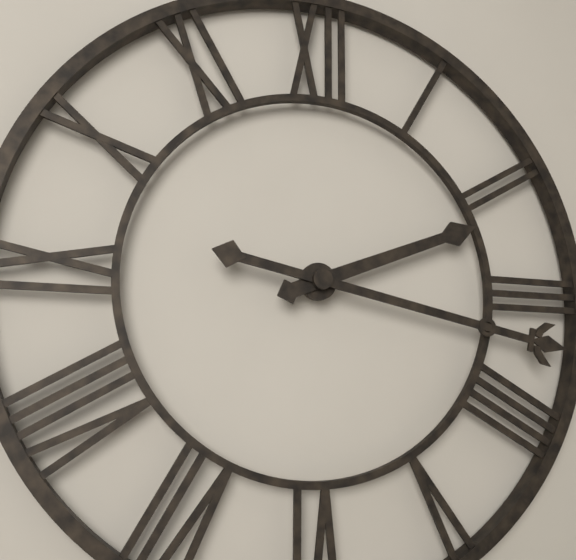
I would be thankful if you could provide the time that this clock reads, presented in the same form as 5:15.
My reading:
2:17
